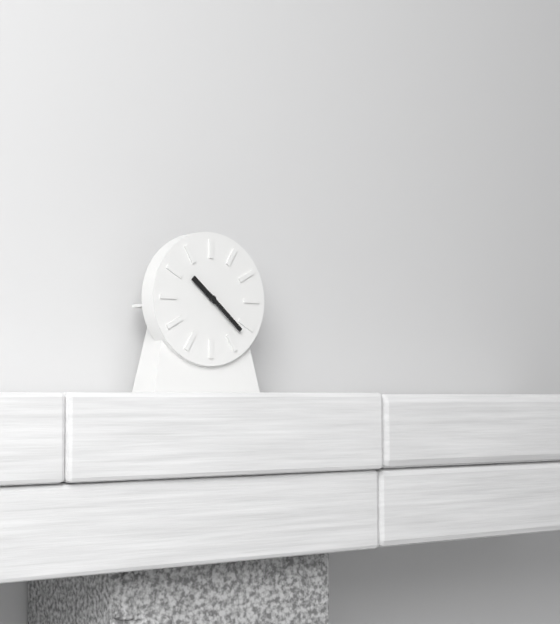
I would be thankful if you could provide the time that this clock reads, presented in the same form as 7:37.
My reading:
10:22
